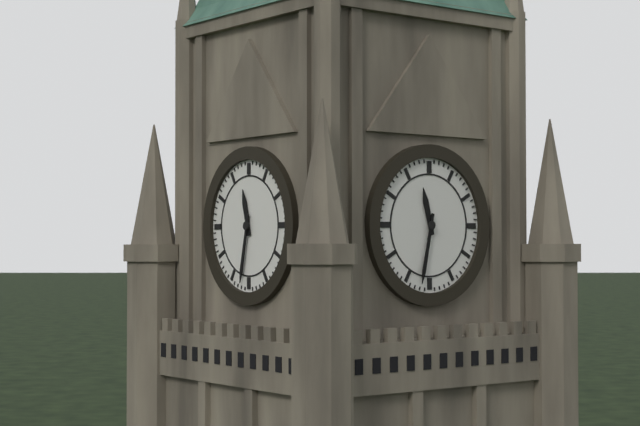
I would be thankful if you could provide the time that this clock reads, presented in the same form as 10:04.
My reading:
11:32
